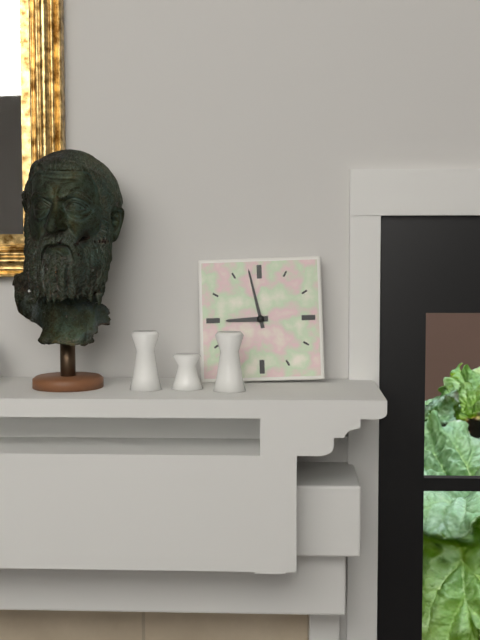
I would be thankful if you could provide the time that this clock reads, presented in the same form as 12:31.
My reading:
8:58
